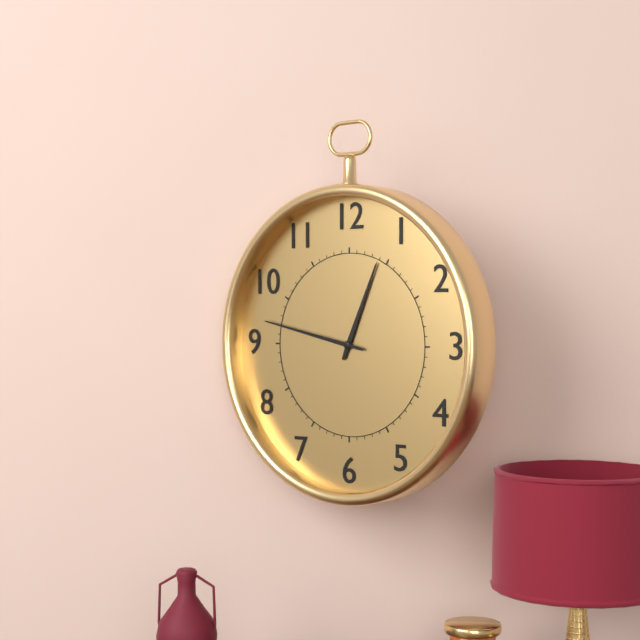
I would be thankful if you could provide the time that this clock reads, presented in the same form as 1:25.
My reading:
12:47
